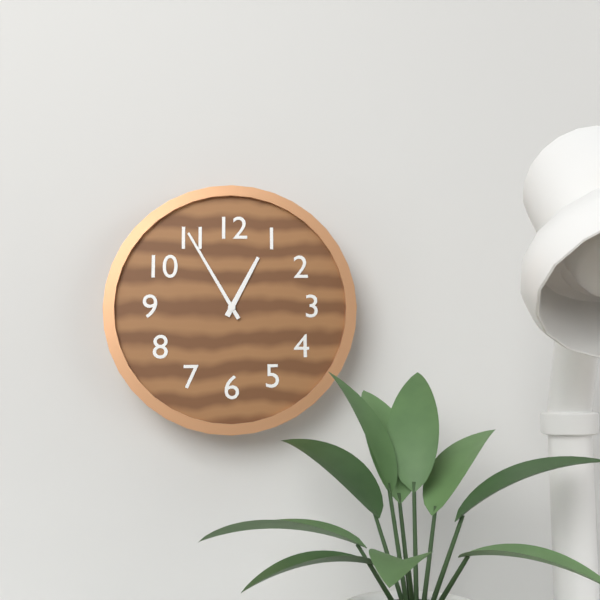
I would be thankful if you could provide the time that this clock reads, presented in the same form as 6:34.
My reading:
12:55
